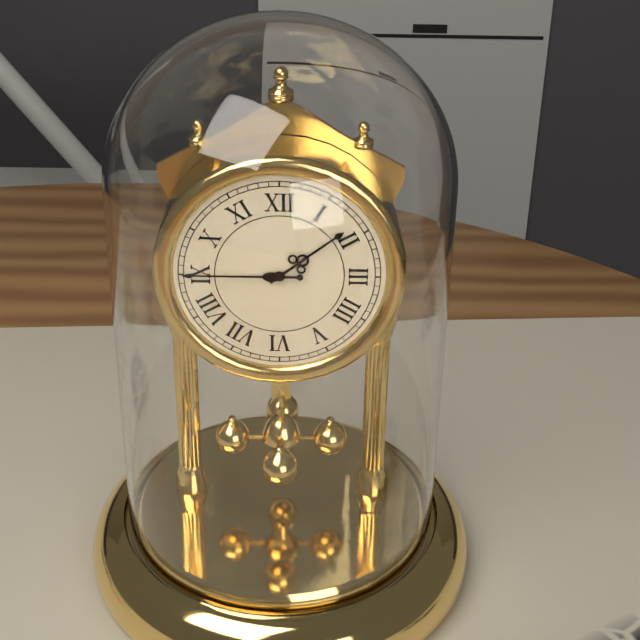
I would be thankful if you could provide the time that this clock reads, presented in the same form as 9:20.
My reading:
1:45
